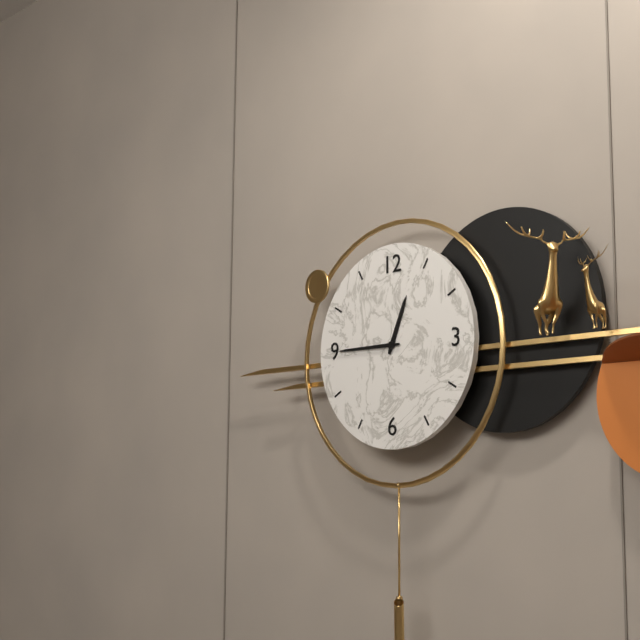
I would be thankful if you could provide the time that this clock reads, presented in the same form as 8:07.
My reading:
12:45
